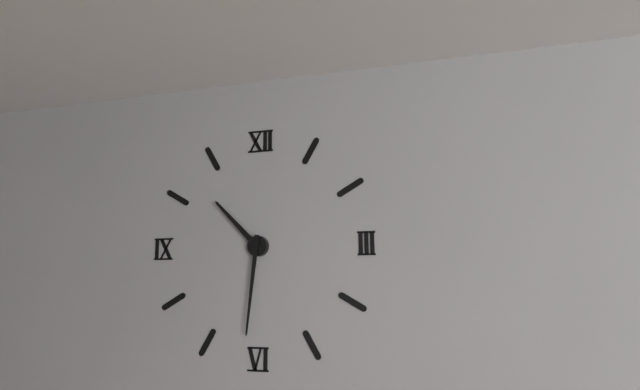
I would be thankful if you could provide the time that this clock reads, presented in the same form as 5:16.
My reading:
10:31
